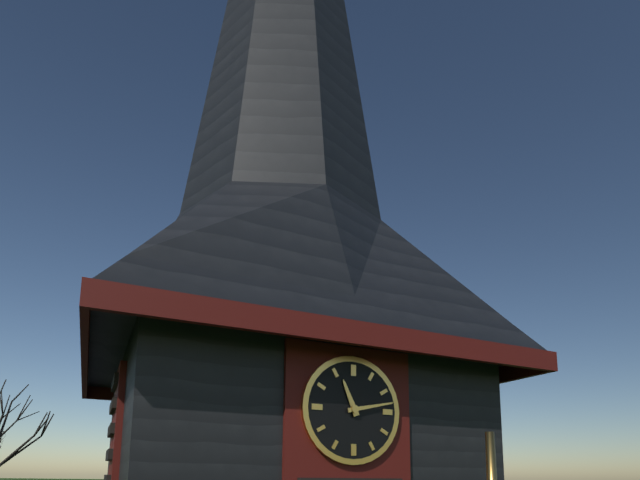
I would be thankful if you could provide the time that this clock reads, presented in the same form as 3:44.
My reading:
11:13
